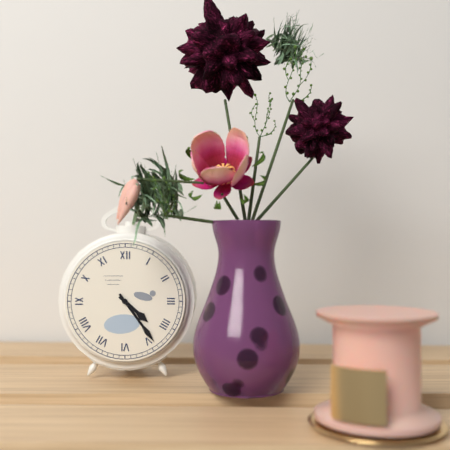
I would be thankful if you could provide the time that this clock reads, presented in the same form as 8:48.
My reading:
4:24
